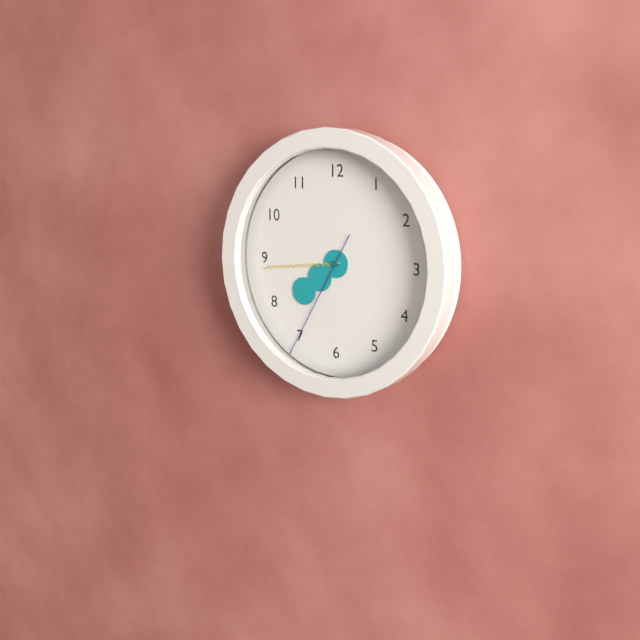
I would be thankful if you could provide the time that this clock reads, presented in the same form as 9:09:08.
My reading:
7:44:35
